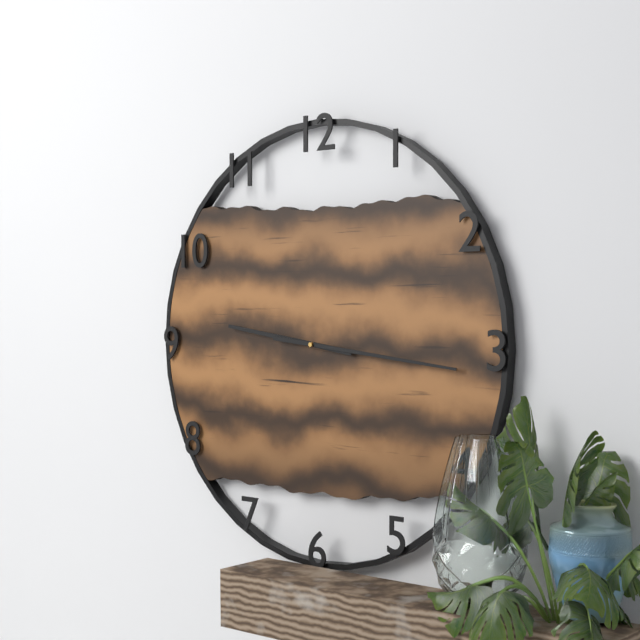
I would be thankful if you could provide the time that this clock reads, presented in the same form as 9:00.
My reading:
9:16
